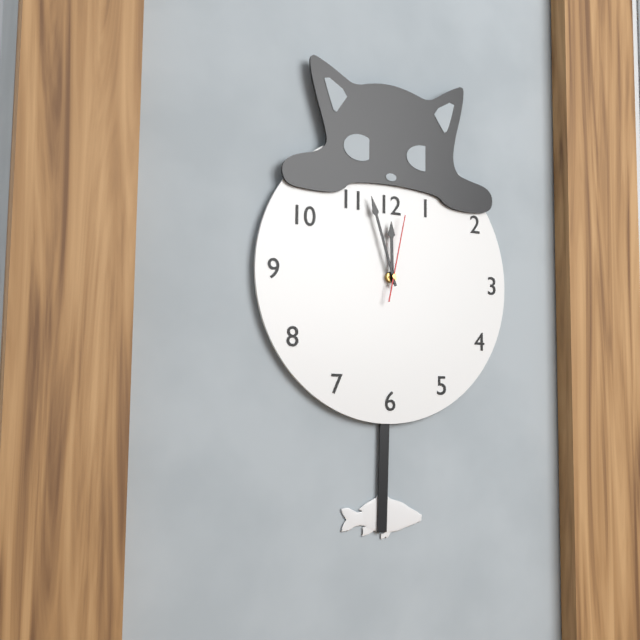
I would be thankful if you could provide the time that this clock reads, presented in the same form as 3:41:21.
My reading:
11:57:02
